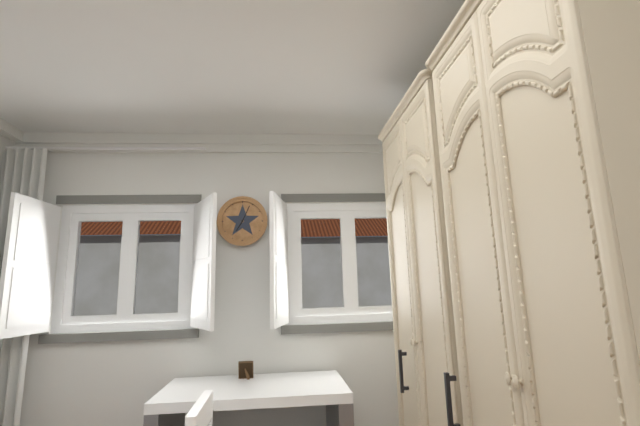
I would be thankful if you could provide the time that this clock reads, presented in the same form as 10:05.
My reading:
7:04
